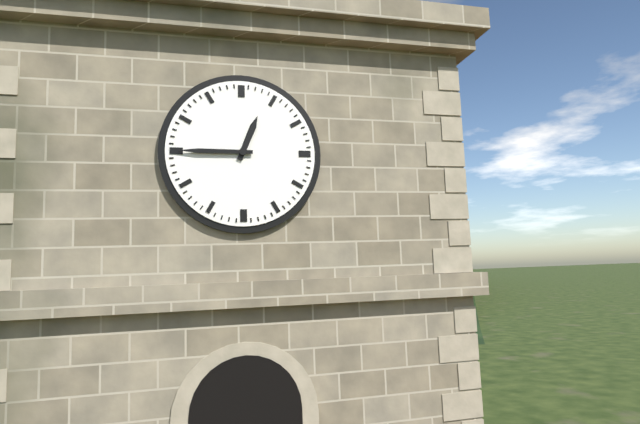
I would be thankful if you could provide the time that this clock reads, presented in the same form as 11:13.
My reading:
12:45
